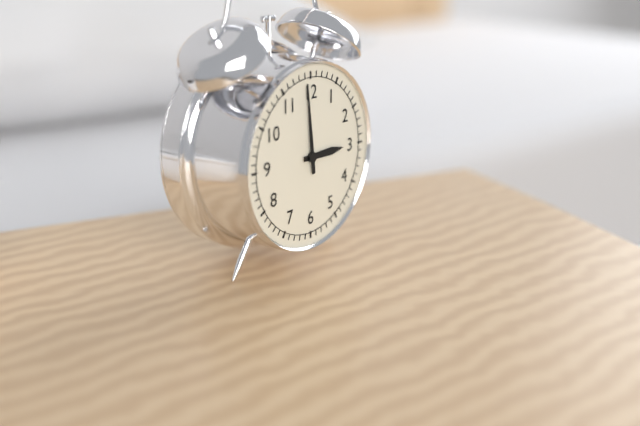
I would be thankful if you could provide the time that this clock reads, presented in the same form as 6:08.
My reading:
2:59
